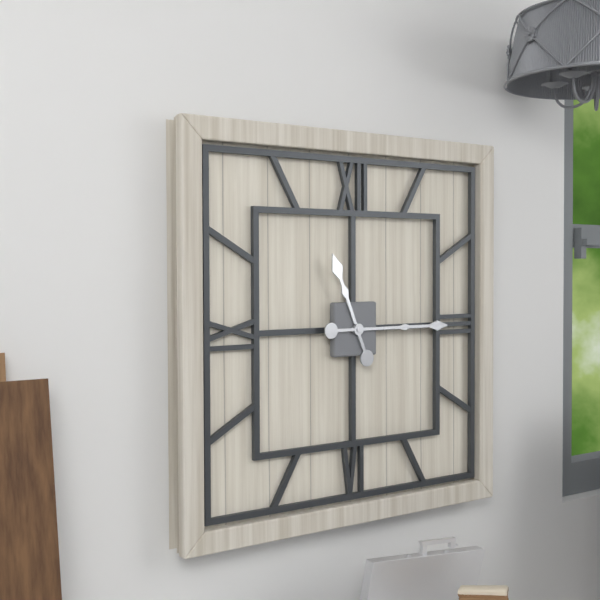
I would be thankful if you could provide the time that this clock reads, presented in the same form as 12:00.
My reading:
11:15
